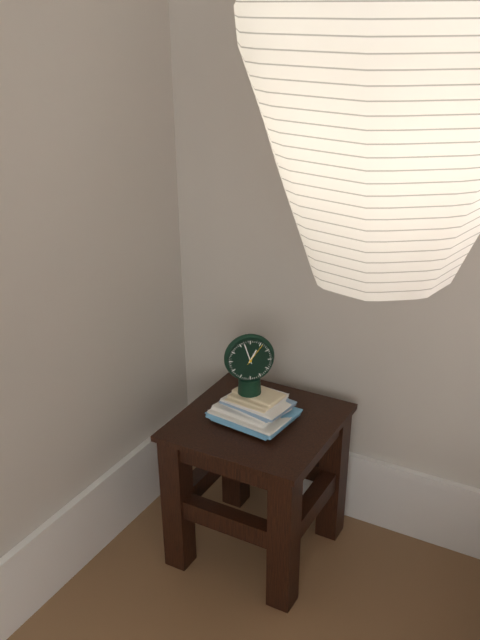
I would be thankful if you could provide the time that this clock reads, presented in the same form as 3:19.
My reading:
12:57
